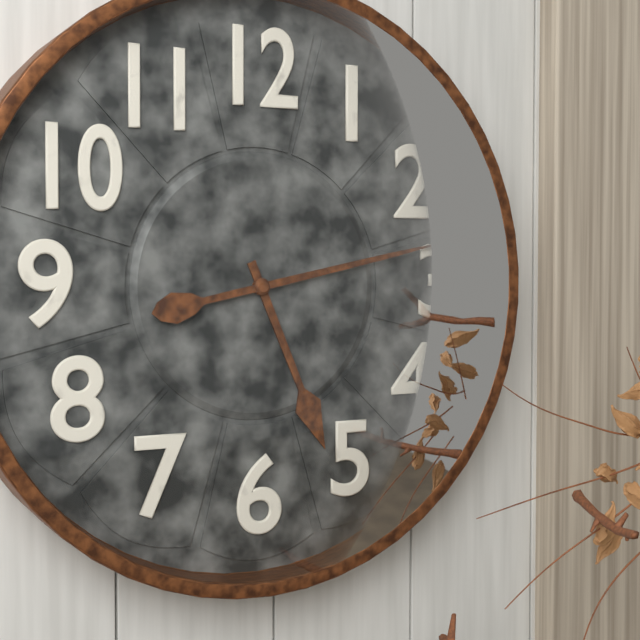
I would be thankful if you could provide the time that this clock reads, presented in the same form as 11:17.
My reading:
5:13
